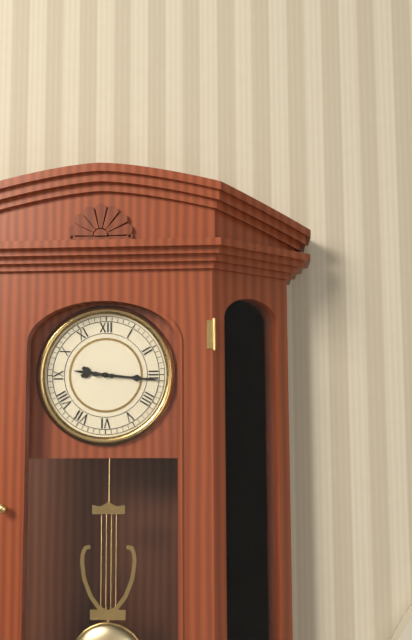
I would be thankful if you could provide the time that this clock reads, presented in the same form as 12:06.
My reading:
9:16
